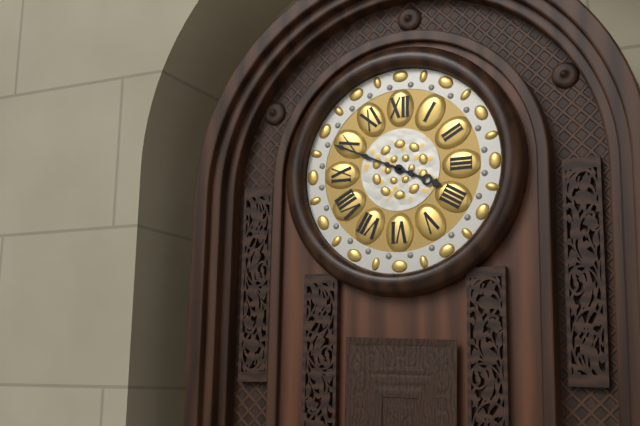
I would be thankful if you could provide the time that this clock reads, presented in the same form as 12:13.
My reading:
3:49
